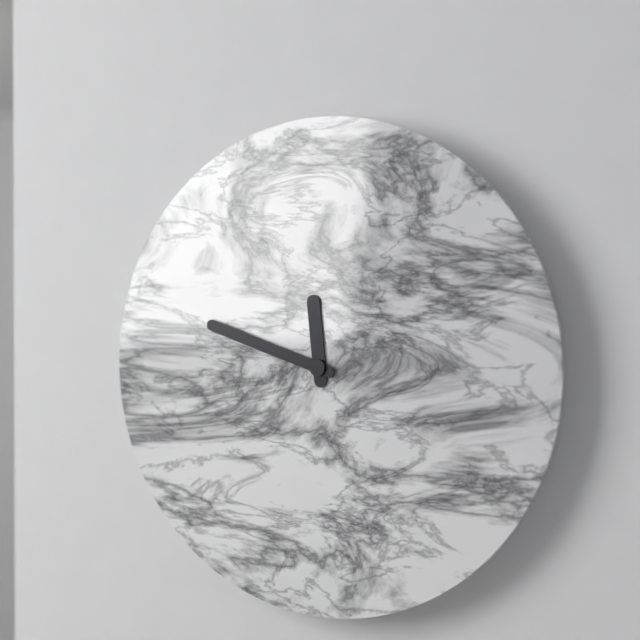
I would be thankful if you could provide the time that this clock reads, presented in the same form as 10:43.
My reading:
11:48
